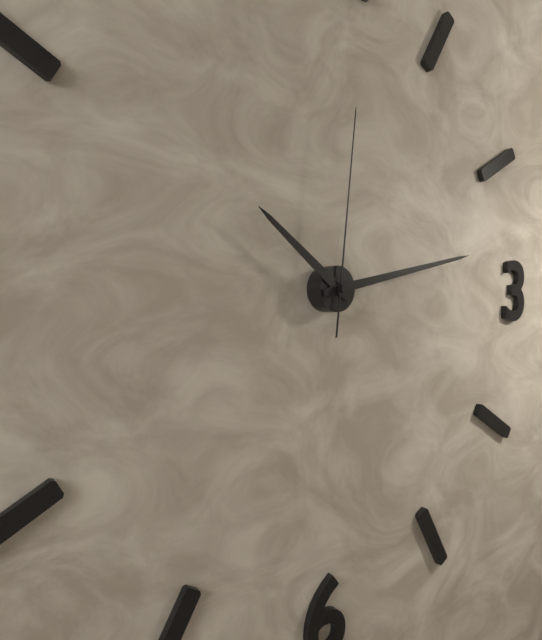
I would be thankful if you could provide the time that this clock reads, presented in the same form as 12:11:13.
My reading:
10:13:01
